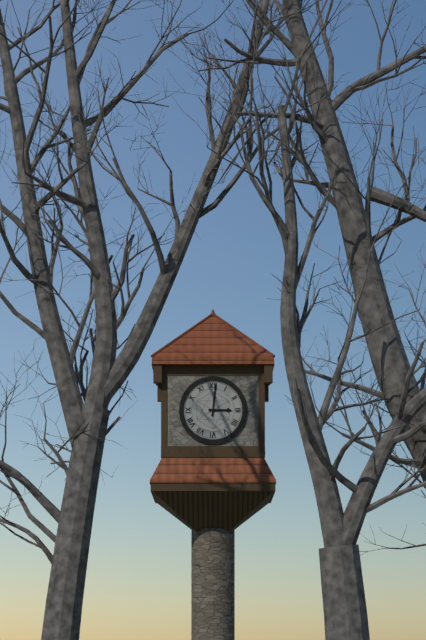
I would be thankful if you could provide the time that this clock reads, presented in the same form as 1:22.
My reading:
3:01
